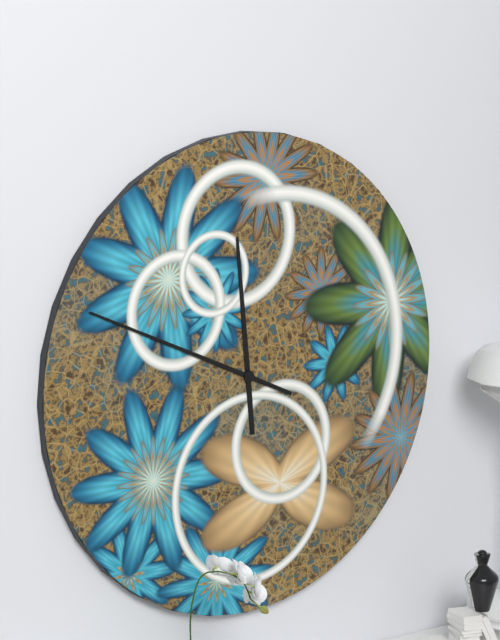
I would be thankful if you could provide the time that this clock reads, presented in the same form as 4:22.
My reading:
11:49
